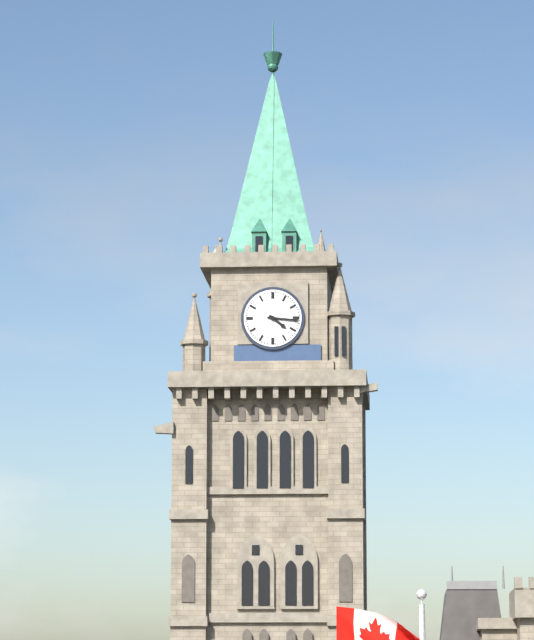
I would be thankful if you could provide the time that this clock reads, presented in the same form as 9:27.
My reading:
4:16
